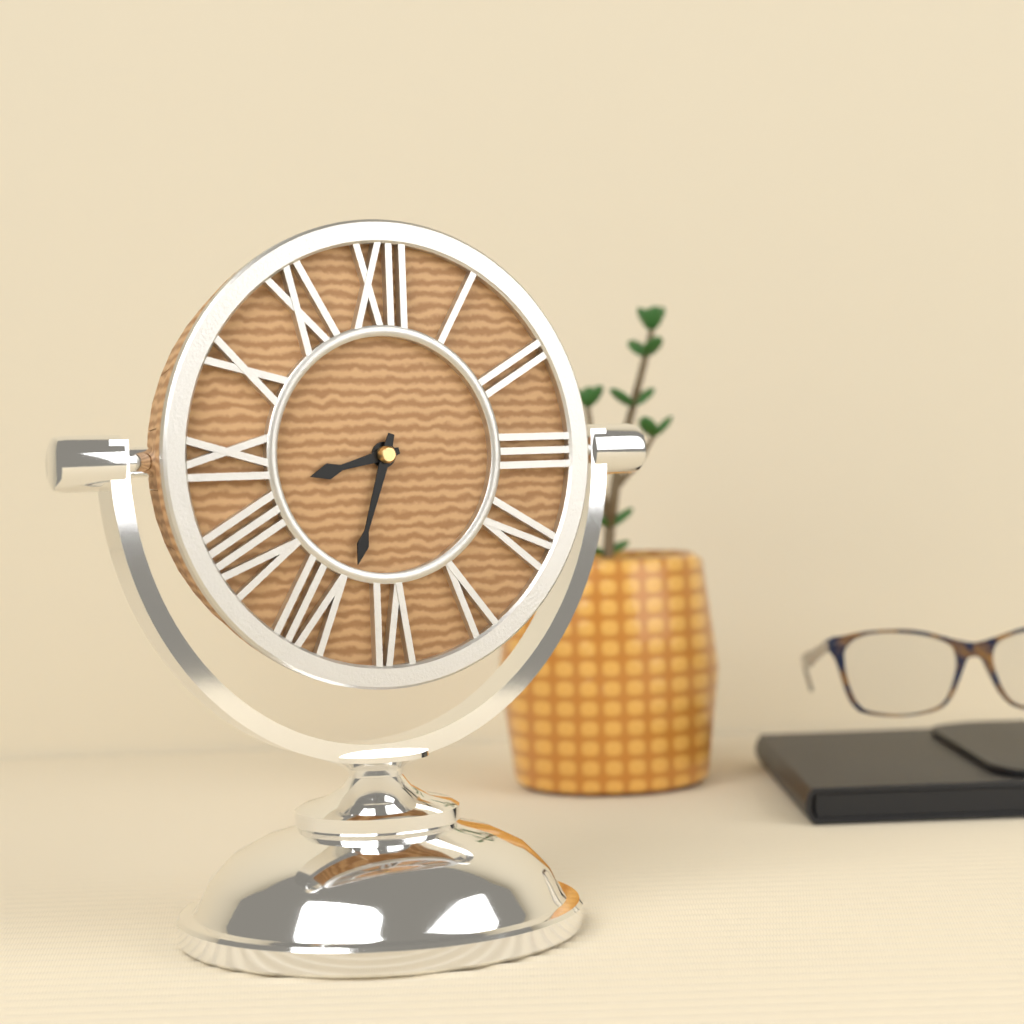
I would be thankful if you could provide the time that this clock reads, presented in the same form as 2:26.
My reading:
8:33
